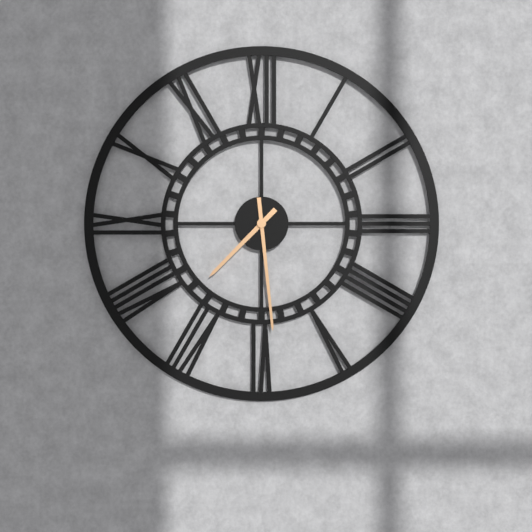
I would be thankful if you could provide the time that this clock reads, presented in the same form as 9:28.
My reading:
7:29
